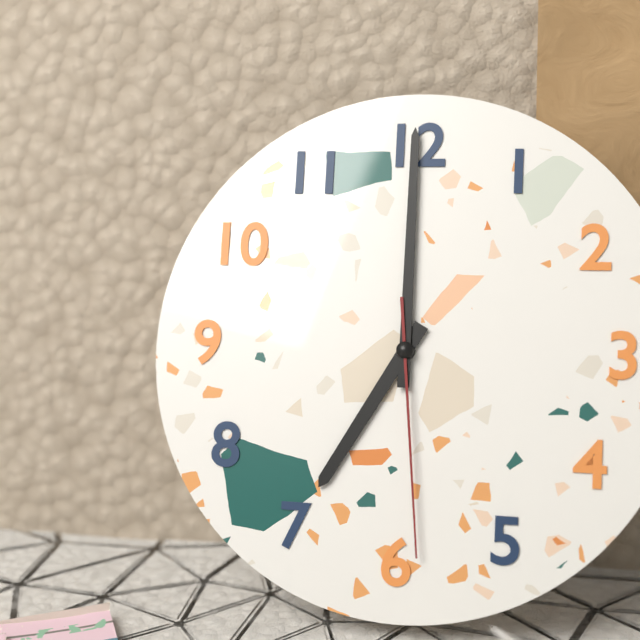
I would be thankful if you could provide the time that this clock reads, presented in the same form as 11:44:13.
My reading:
7:00:29
